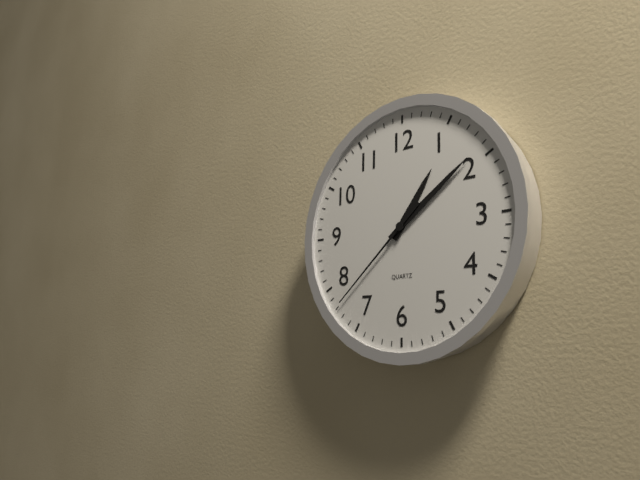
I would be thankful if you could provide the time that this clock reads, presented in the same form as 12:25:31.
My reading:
1:09:38
